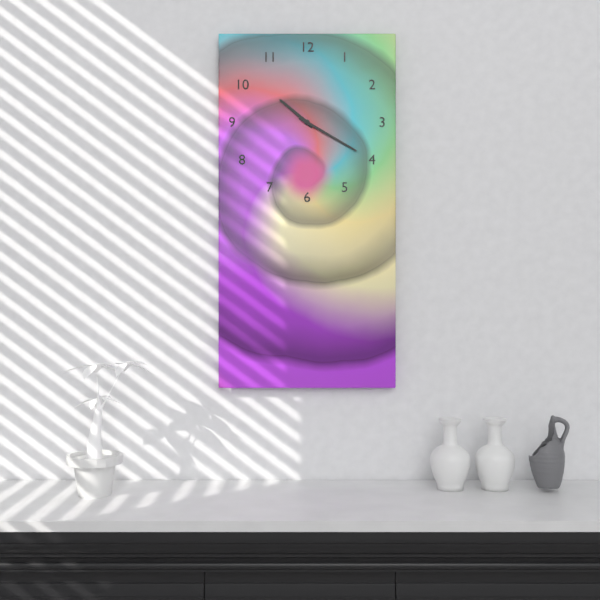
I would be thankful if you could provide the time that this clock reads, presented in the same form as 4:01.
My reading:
10:20
